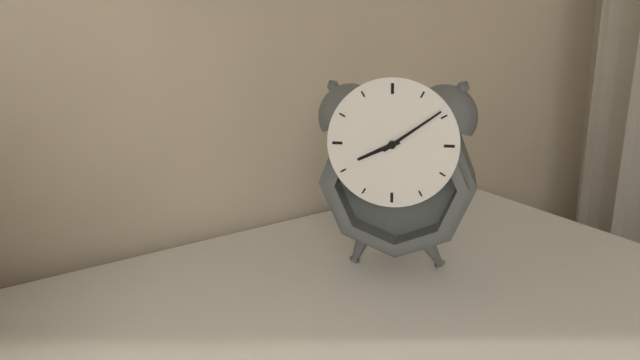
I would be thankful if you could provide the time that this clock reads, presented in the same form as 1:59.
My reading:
8:09
